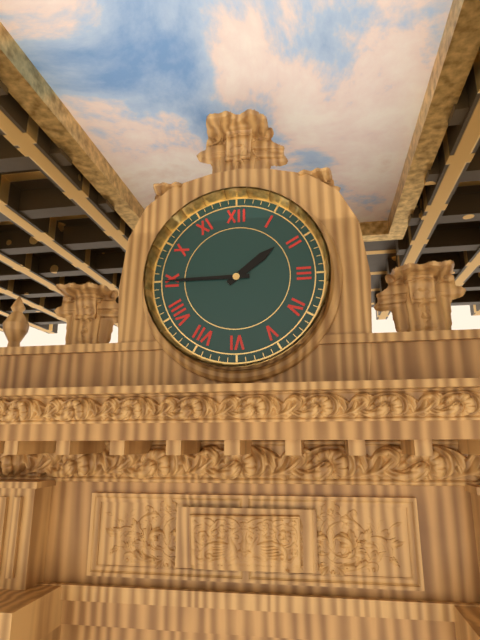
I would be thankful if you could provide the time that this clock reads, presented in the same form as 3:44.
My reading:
1:45
